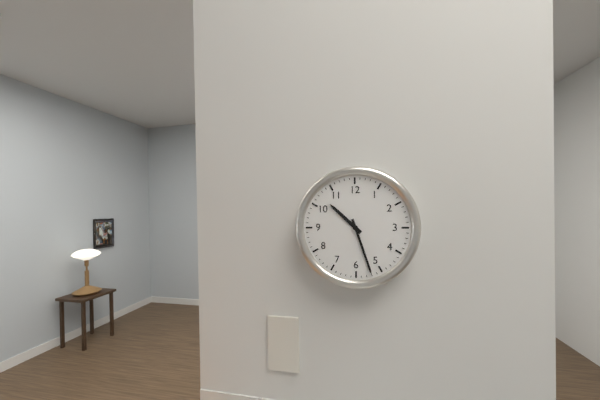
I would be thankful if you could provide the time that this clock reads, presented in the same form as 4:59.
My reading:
10:27
